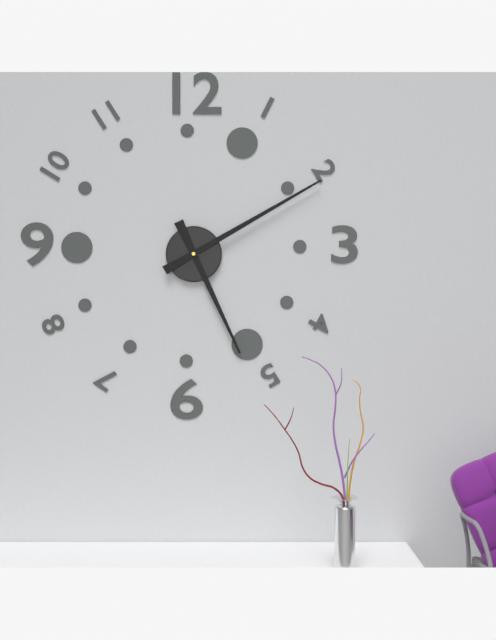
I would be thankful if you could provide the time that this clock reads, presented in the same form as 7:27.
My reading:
5:10
